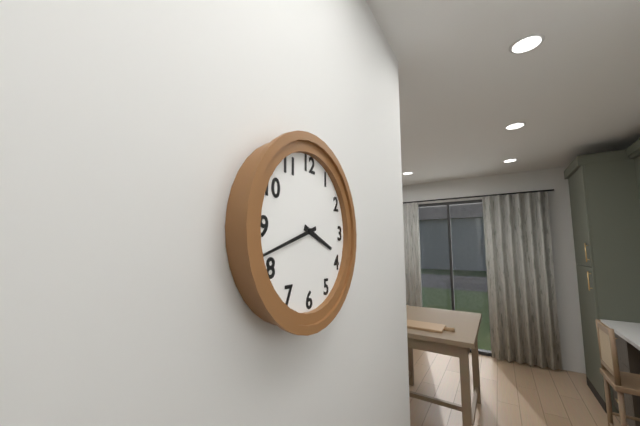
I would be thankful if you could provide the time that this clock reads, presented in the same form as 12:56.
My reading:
3:42
